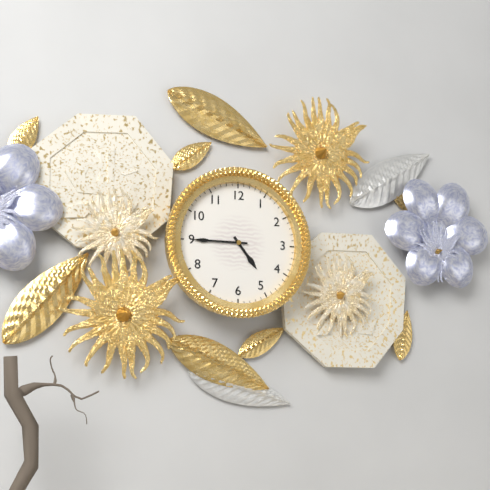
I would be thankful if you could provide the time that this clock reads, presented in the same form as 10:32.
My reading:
4:45
